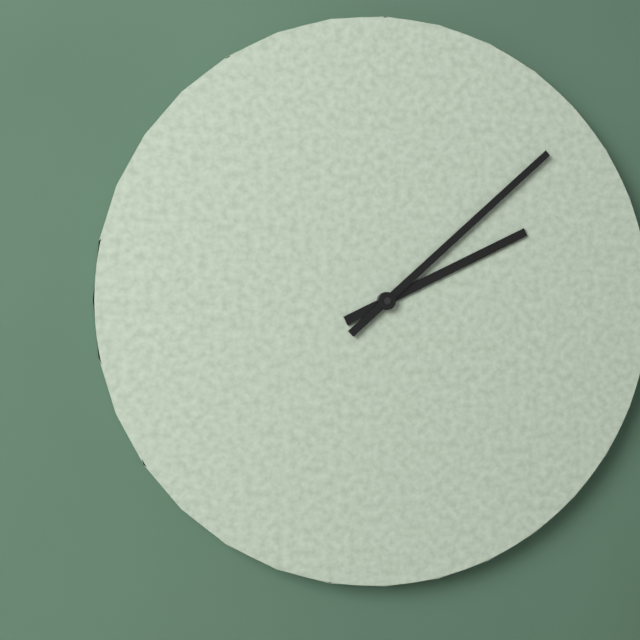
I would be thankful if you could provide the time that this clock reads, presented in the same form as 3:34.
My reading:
2:08
